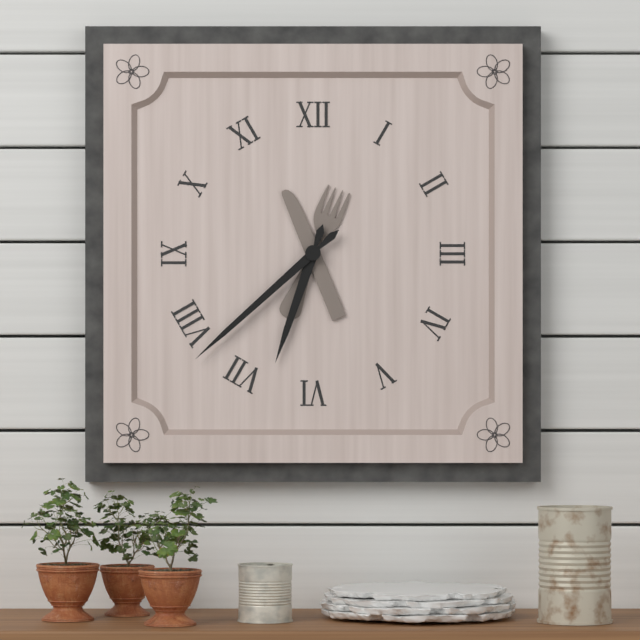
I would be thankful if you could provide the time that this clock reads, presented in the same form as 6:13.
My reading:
6:38
